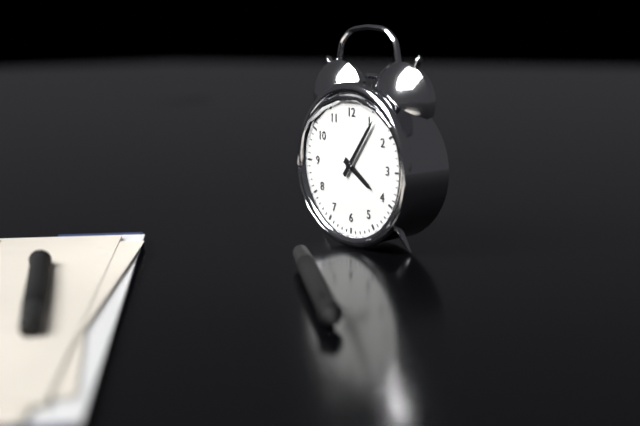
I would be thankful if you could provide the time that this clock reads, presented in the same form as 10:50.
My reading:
4:06
